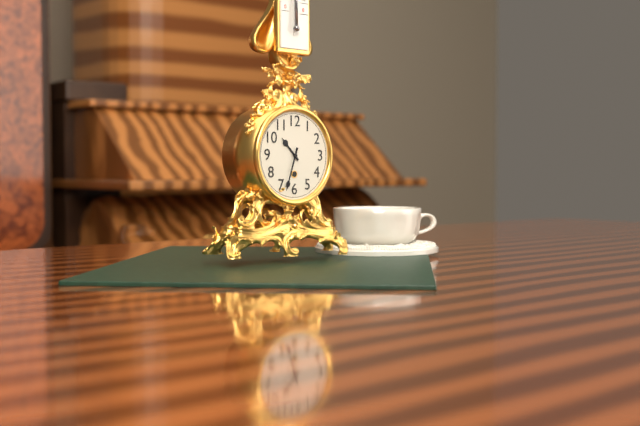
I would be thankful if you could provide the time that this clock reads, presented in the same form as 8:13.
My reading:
10:33
